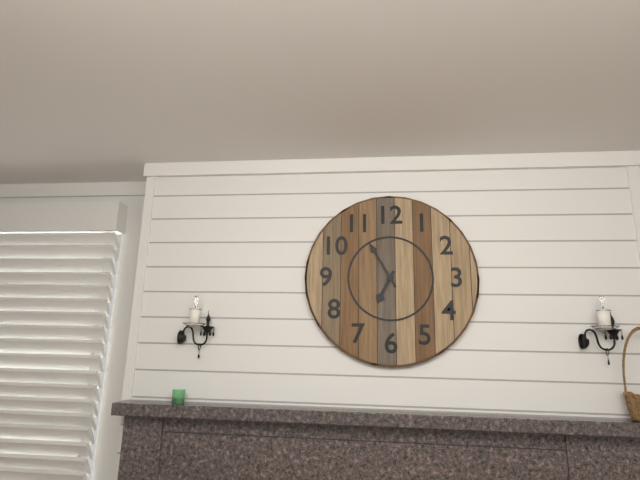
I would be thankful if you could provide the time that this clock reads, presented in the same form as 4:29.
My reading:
6:55
